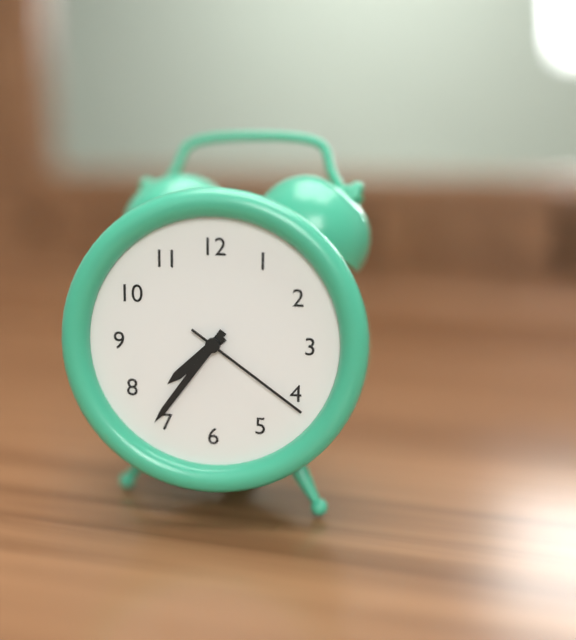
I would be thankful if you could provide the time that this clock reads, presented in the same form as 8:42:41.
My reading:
7:36:21
